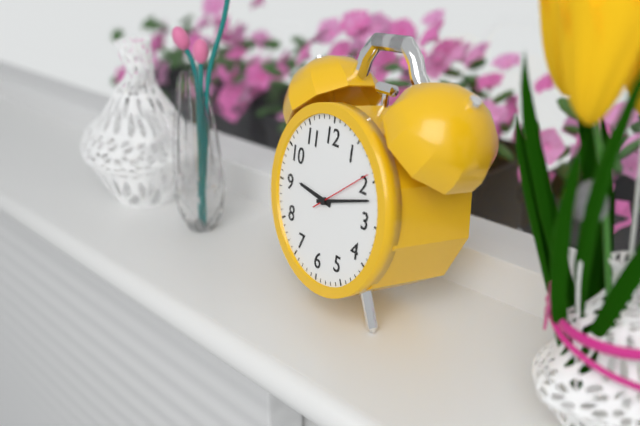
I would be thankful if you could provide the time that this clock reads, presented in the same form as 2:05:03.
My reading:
9:12:09
